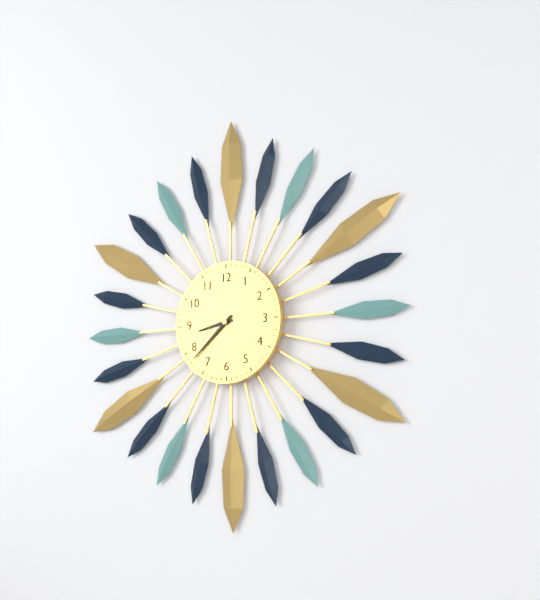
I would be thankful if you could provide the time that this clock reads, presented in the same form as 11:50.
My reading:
8:38
